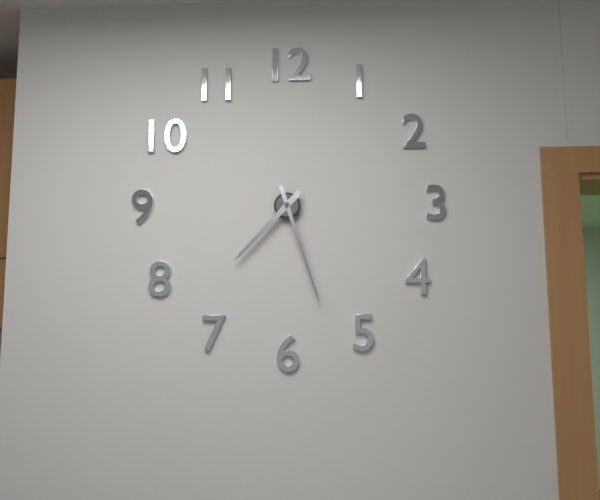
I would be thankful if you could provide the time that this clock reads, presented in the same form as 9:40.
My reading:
7:27
